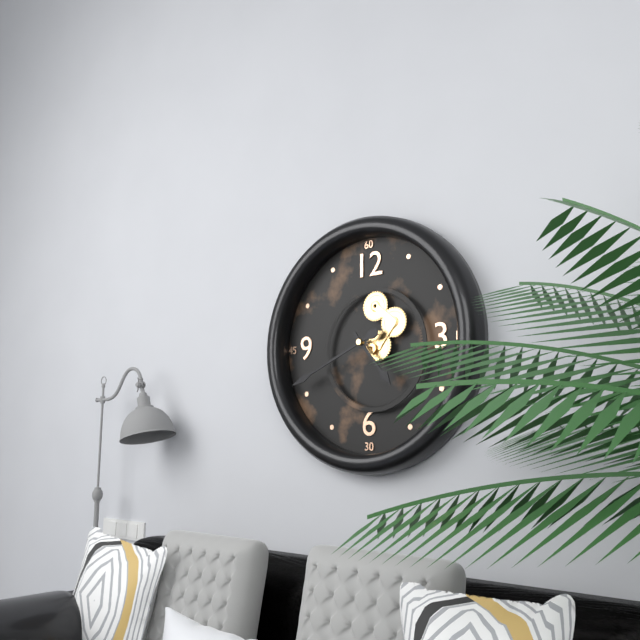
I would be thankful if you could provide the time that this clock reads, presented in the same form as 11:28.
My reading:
4:41
